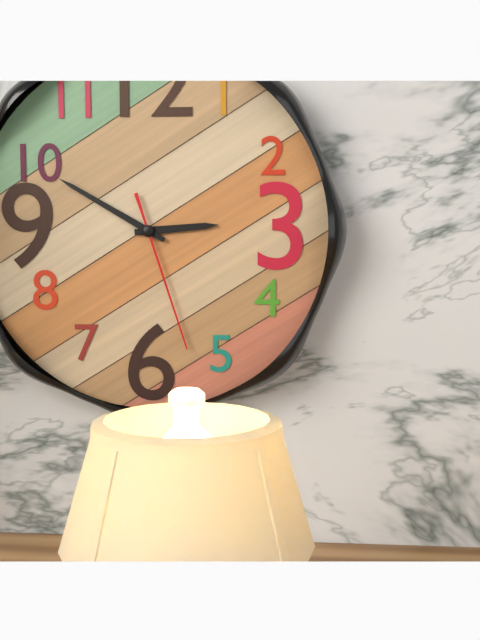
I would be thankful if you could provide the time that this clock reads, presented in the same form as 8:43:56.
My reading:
2:50:27
